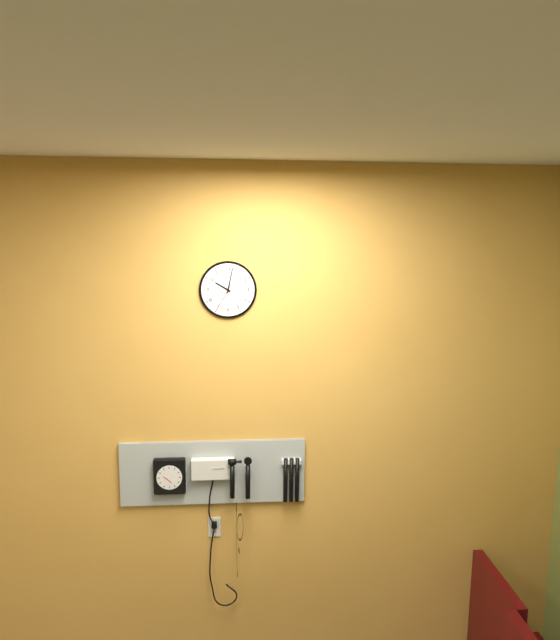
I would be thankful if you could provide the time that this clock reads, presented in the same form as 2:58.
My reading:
10:02
